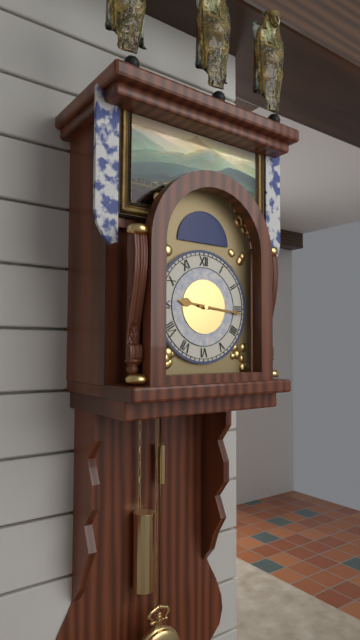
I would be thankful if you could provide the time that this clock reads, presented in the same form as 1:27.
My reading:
9:16
